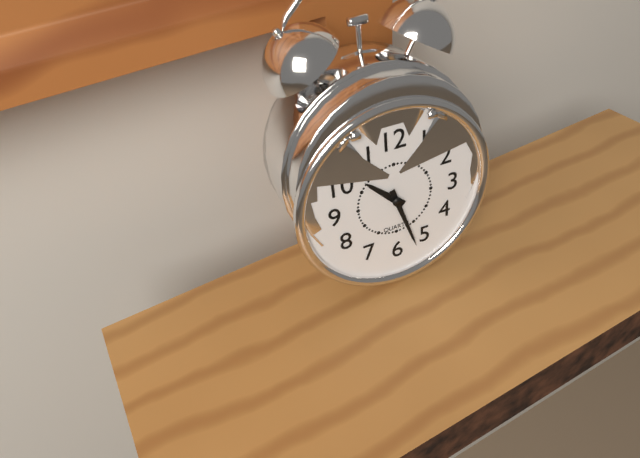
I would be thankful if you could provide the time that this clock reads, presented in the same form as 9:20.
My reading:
10:27
